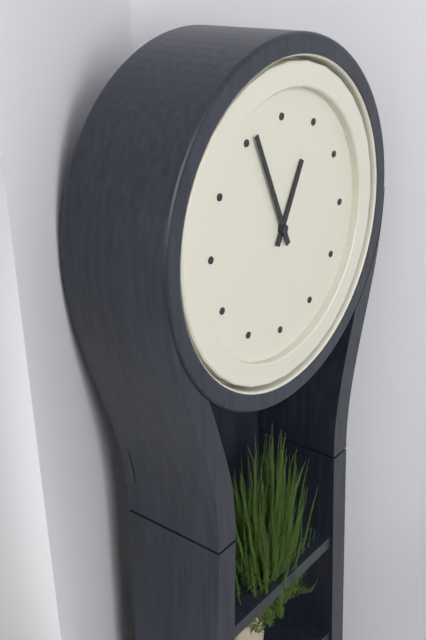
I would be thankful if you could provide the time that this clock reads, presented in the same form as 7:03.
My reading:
12:56
